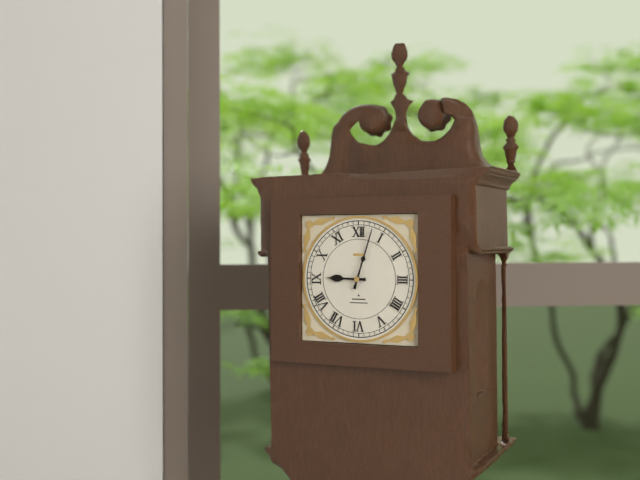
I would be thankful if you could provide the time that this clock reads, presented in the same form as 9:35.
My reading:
9:03
